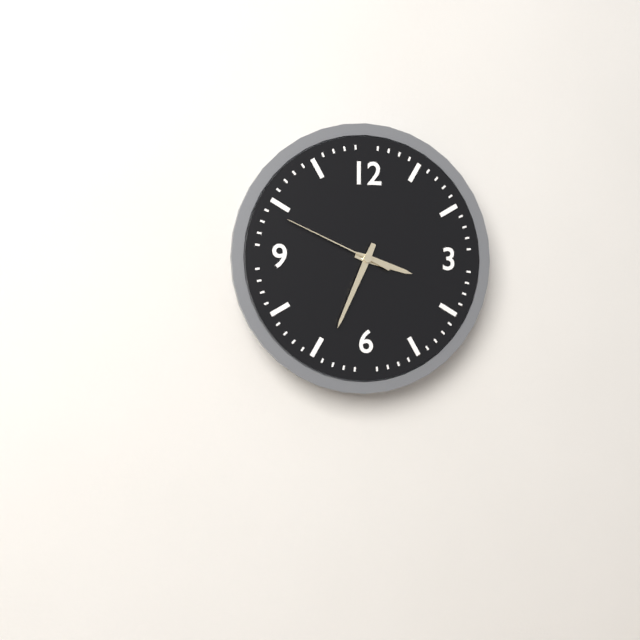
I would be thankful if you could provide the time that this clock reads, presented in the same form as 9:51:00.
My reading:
3:34:49
